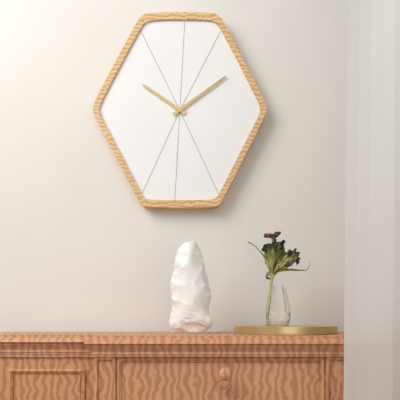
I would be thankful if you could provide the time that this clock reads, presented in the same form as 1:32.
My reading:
10:09
